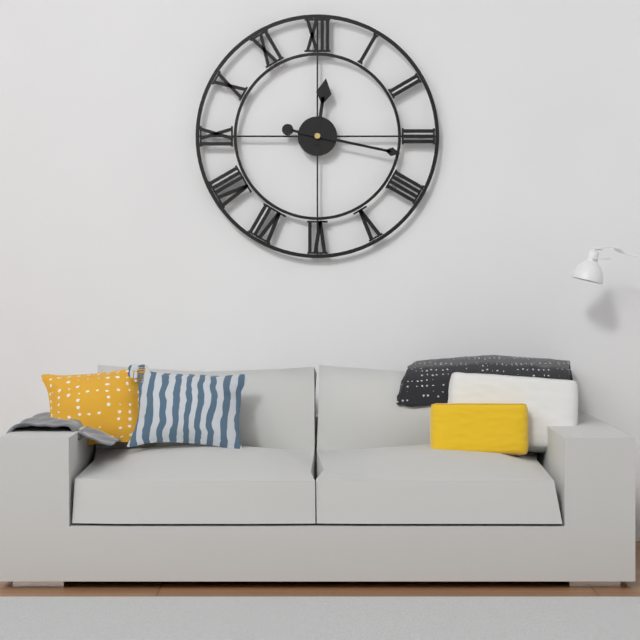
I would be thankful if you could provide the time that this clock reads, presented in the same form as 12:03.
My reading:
12:17
